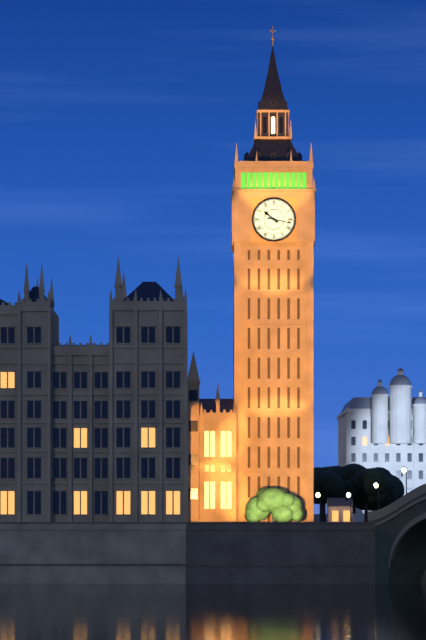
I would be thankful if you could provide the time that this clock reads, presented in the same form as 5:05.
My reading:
10:17
